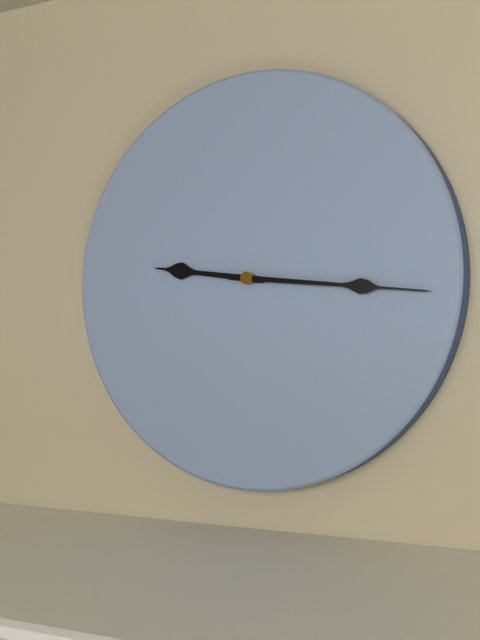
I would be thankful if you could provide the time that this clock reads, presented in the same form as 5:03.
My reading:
9:16
